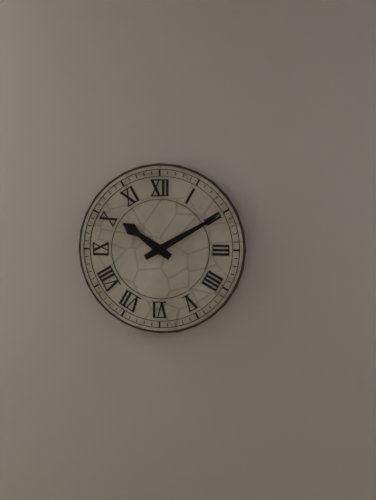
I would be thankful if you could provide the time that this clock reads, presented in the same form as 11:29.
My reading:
10:10
